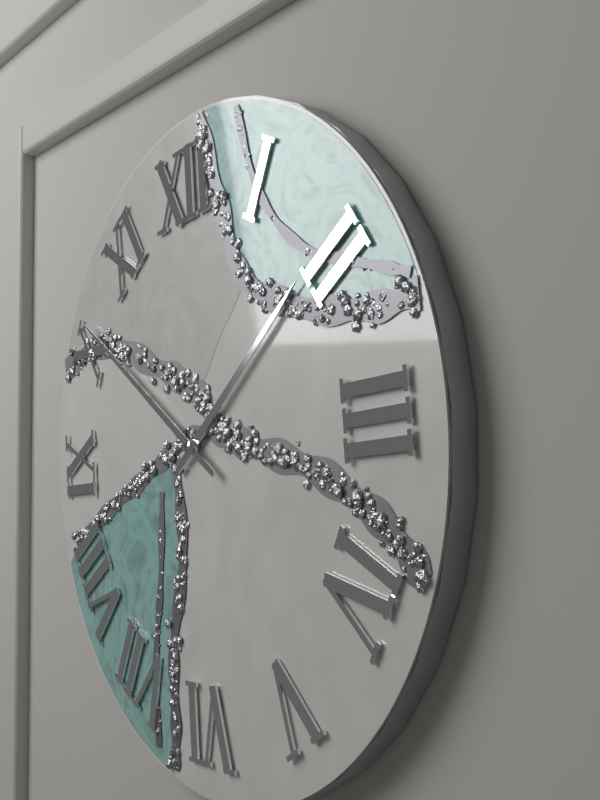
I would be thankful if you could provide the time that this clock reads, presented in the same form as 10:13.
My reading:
1:51
